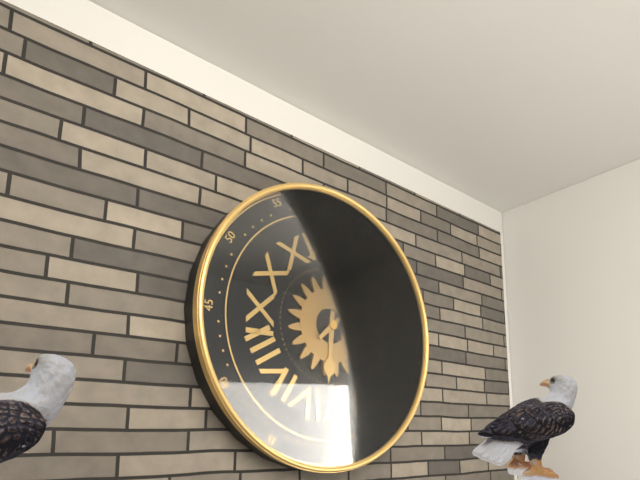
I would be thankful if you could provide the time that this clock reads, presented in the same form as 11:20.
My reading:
6:08
